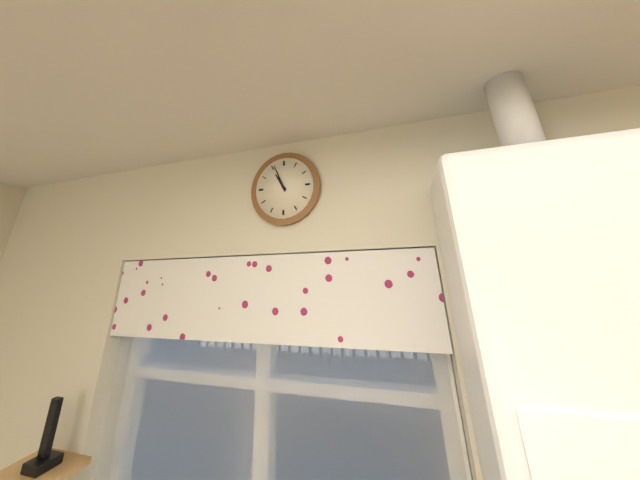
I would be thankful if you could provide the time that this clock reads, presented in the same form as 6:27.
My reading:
10:56
